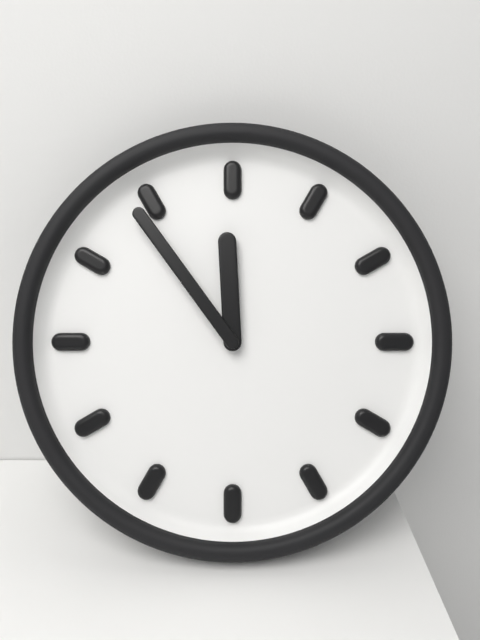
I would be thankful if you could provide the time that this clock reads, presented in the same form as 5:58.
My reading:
11:54
